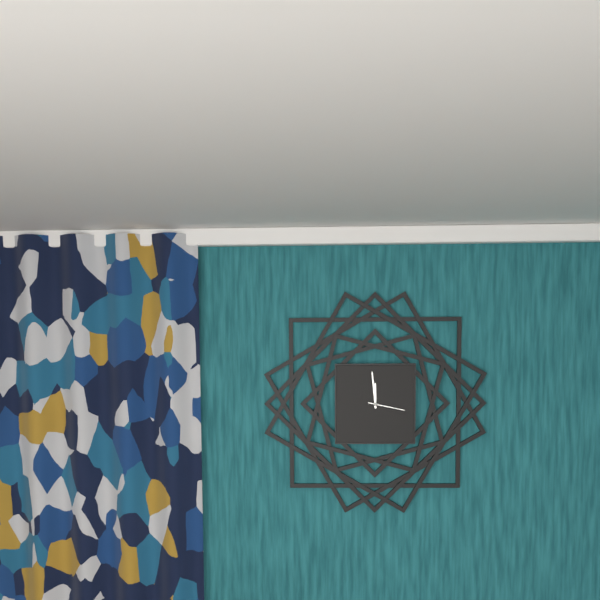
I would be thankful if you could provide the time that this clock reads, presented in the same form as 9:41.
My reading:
11:59
